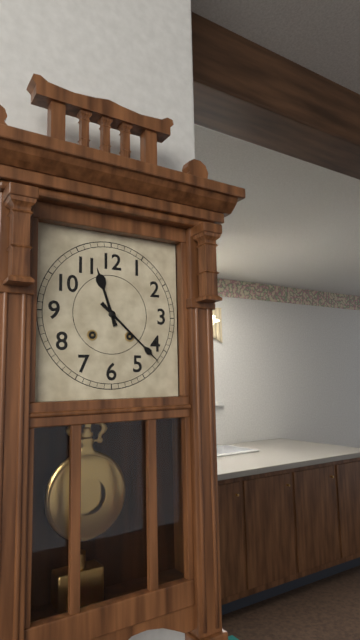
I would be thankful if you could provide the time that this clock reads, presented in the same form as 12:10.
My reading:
11:22
